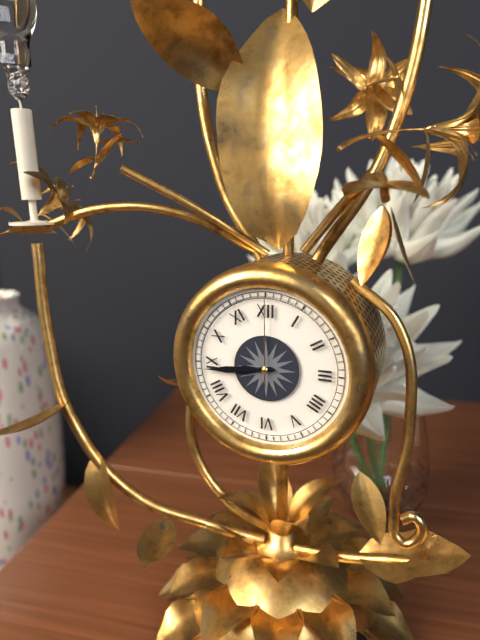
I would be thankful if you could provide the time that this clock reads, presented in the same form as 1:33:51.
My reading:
8:44:00
